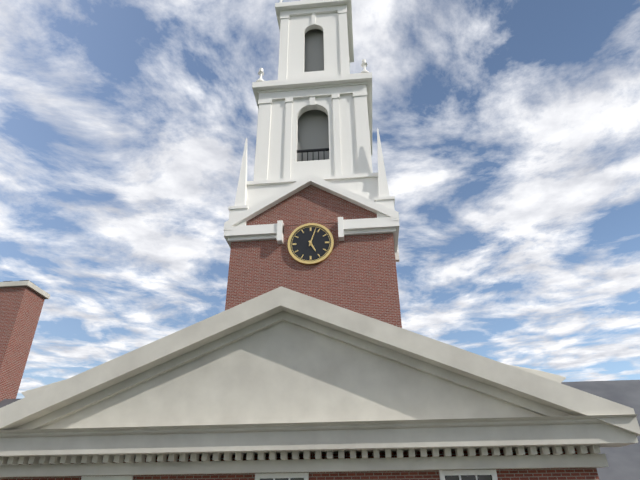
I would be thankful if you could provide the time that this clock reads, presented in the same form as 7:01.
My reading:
5:03
